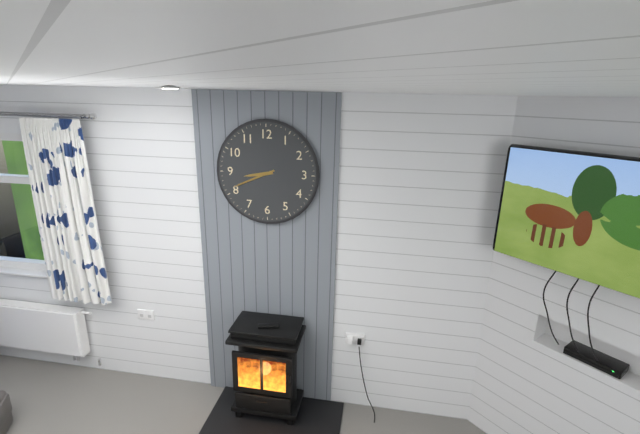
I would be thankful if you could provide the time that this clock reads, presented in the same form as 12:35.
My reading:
8:41
